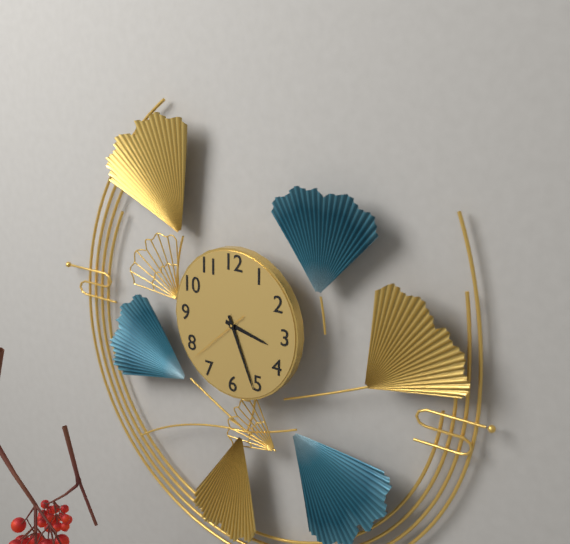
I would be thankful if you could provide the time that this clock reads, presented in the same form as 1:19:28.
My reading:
3:26:38
